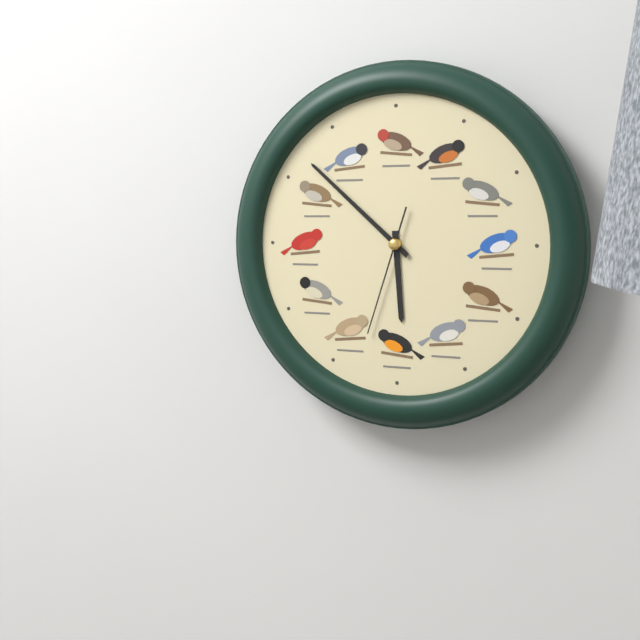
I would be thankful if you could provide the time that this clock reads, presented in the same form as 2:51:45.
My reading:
5:52:33
